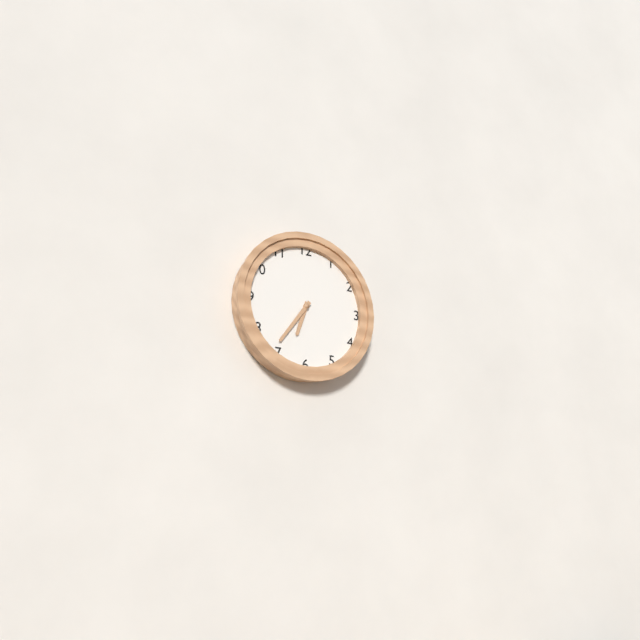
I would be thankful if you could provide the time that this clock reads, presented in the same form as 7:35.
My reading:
6:36
